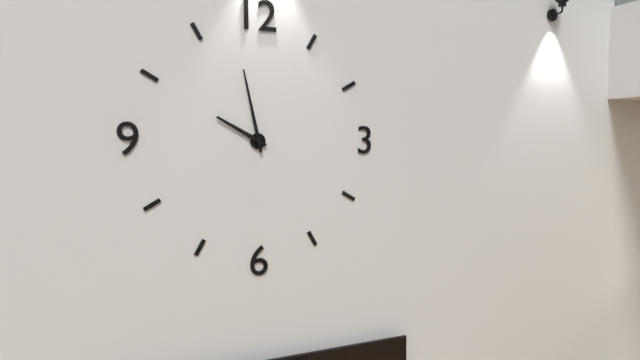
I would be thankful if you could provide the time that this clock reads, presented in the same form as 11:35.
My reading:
9:58
